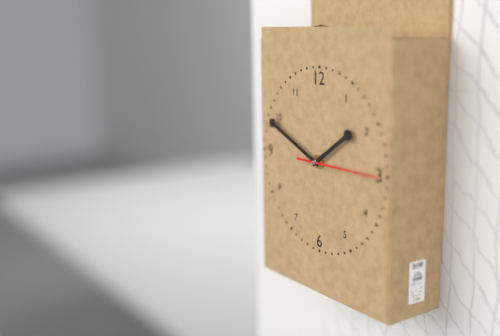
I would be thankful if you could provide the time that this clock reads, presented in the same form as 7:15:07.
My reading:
1:49:15
